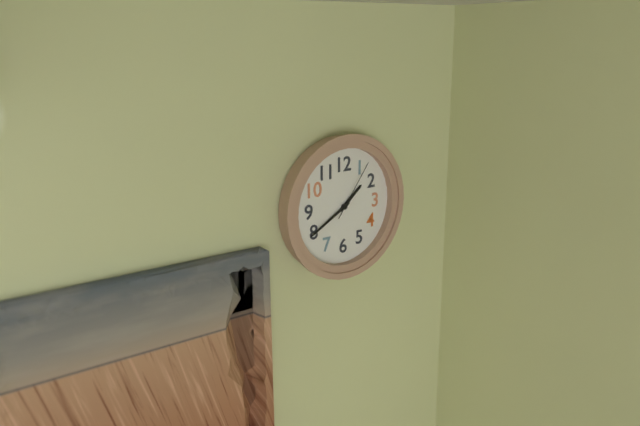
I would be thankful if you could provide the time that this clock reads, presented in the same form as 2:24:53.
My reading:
1:40:06
